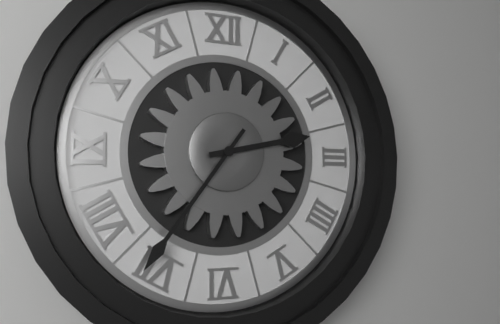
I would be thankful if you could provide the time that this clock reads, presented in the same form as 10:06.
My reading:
2:36
